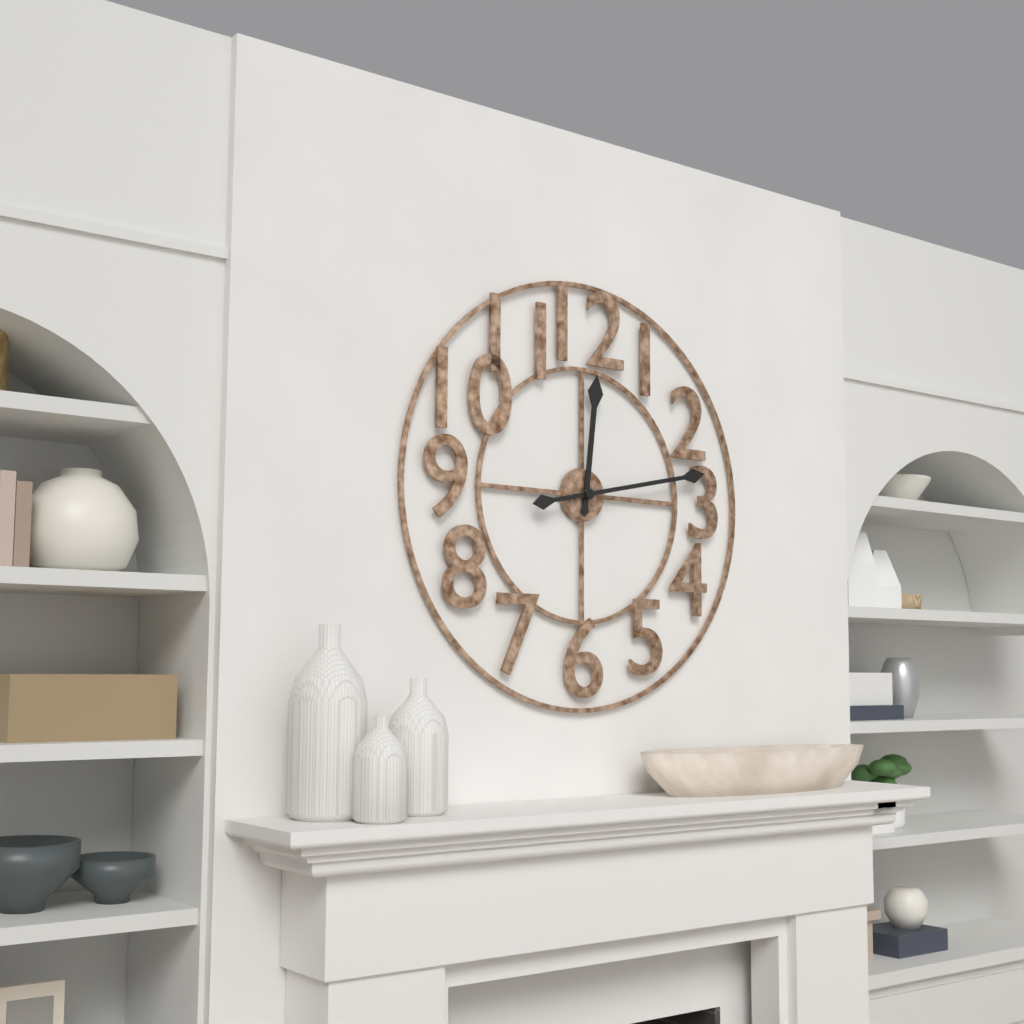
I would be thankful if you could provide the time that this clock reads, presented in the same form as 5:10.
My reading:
12:13
